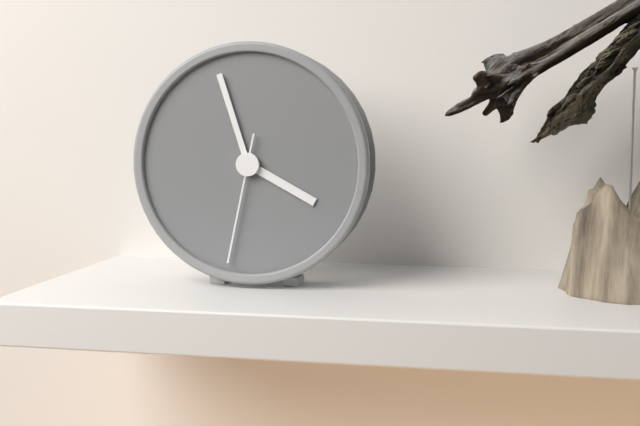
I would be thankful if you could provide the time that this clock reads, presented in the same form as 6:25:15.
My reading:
3:57:32
